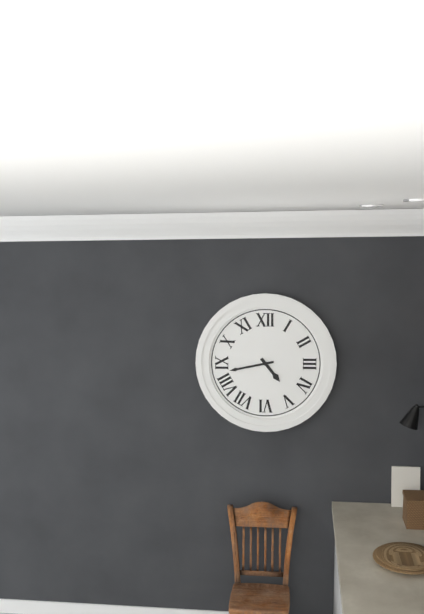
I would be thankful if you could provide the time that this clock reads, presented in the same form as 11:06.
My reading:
4:43
